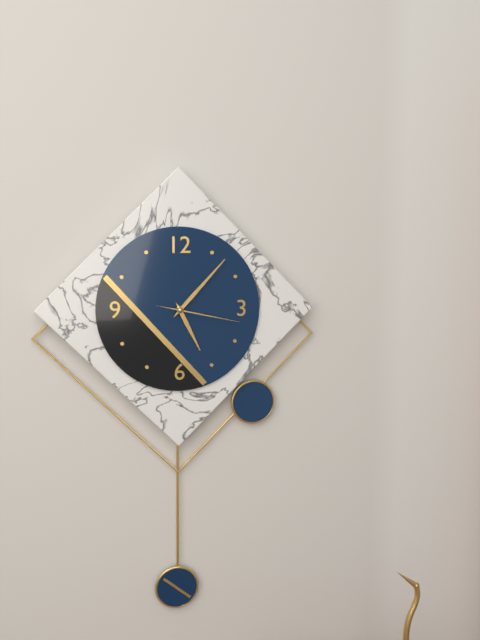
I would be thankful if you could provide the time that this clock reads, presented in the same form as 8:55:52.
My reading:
5:07:17
